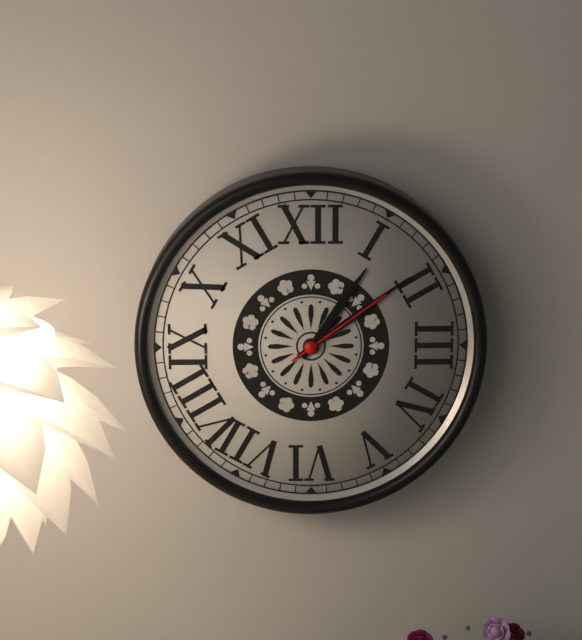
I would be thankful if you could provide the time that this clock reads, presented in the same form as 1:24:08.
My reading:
1:09:09
